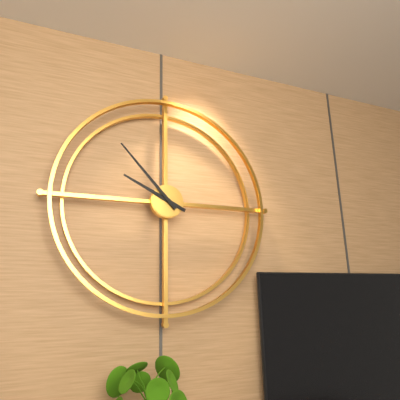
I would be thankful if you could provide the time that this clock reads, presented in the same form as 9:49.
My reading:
9:53
